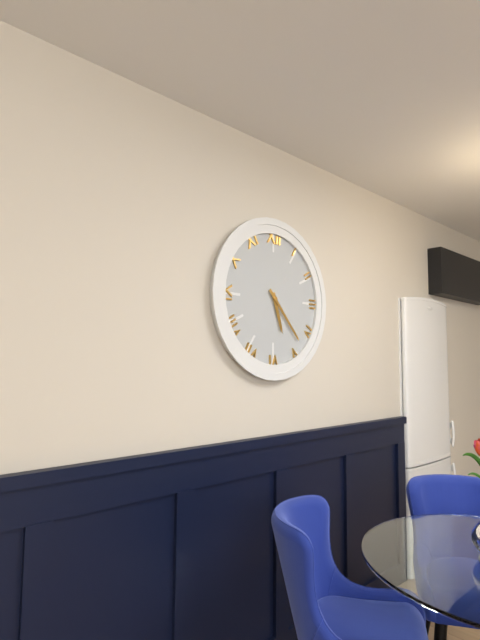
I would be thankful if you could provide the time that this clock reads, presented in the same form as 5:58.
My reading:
5:23
